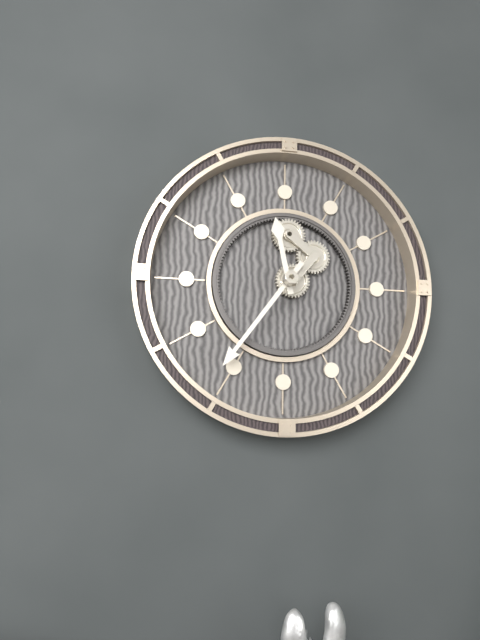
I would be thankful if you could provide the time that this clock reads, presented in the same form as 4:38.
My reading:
11:36
